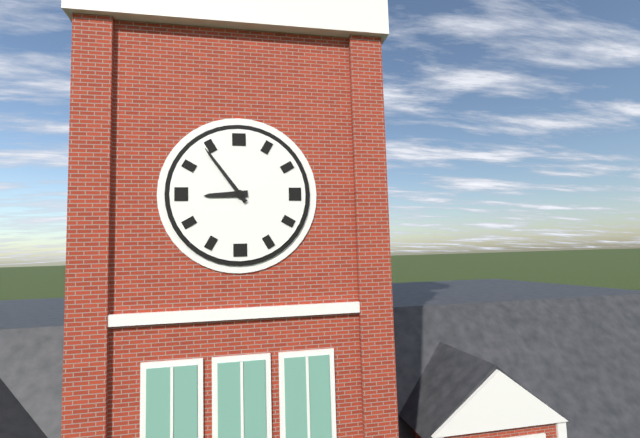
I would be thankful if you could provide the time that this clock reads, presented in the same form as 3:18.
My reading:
8:54
